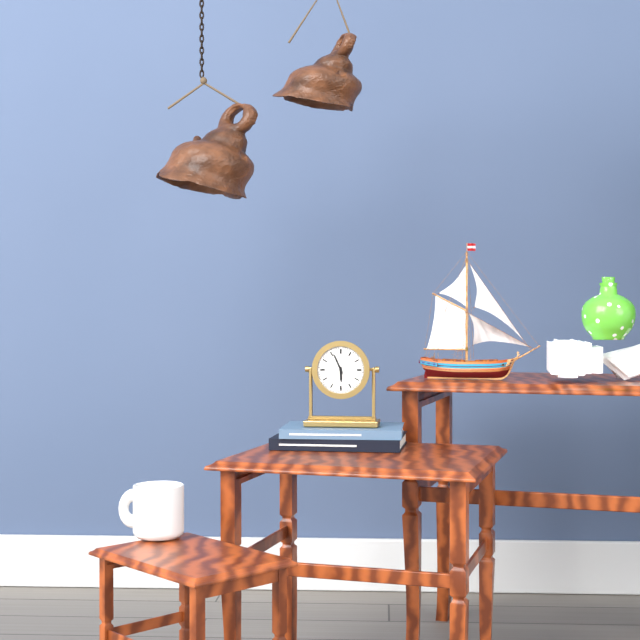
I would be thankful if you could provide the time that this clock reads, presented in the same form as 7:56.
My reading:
5:56
